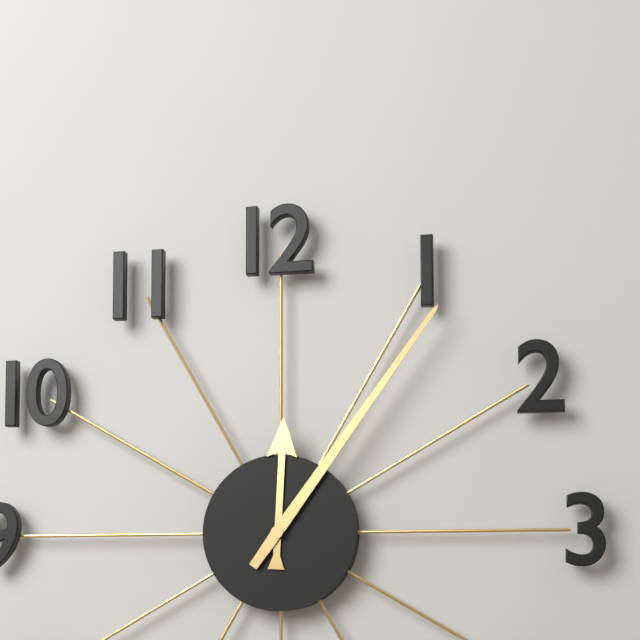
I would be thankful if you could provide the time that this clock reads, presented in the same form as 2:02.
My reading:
12:06
